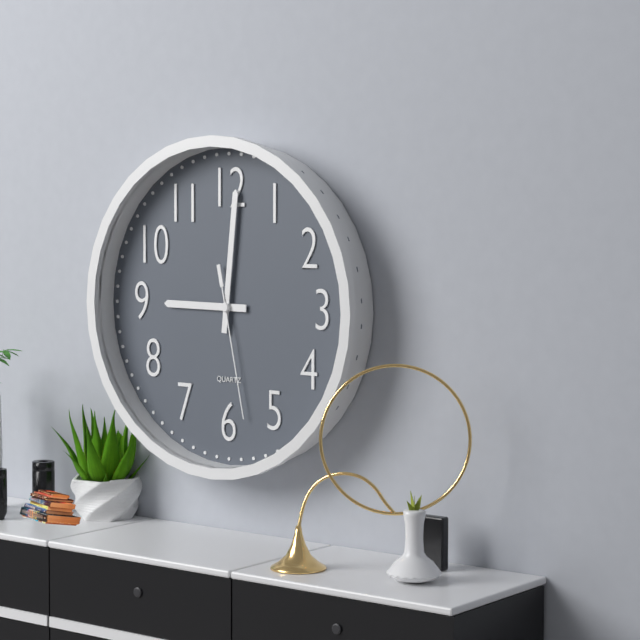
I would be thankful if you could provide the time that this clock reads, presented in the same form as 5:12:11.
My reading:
9:01:28
